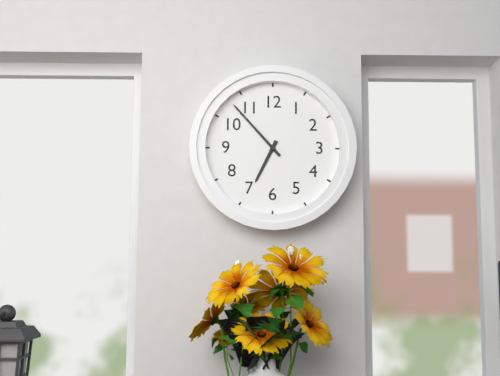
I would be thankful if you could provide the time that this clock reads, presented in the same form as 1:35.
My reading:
6:53
